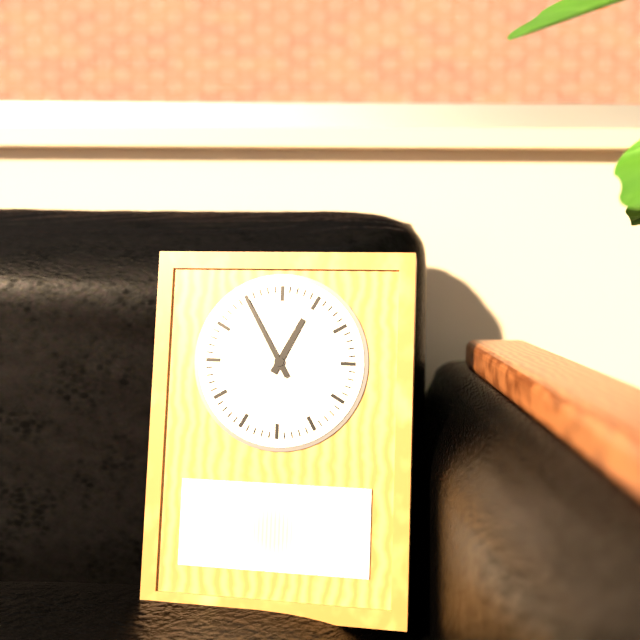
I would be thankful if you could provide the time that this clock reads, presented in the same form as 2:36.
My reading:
12:55
